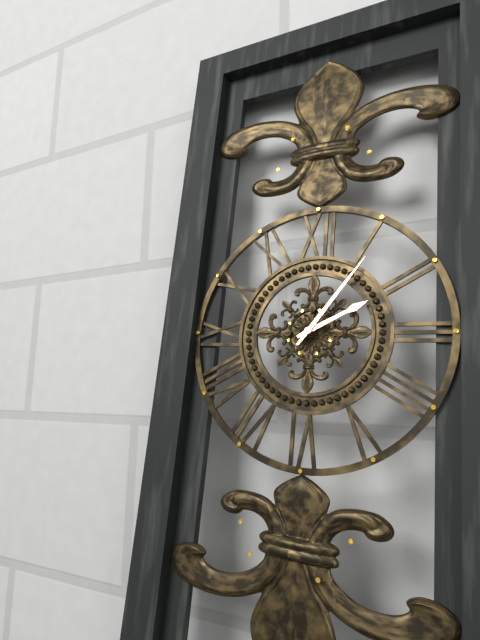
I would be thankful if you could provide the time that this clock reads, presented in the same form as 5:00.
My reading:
2:06
